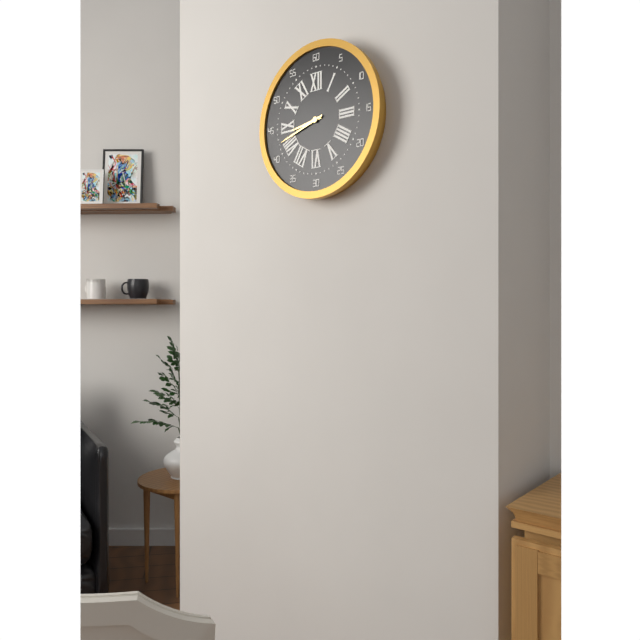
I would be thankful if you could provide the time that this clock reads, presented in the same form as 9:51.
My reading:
8:42
